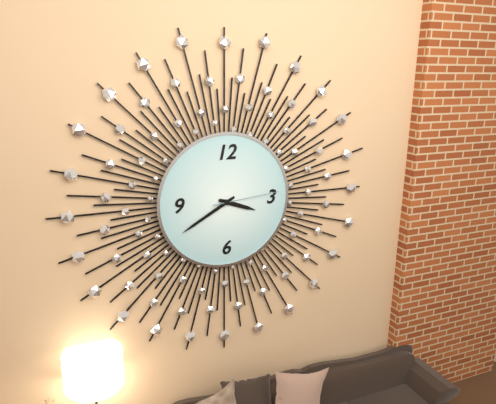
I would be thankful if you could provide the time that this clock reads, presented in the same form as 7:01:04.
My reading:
3:40:14
